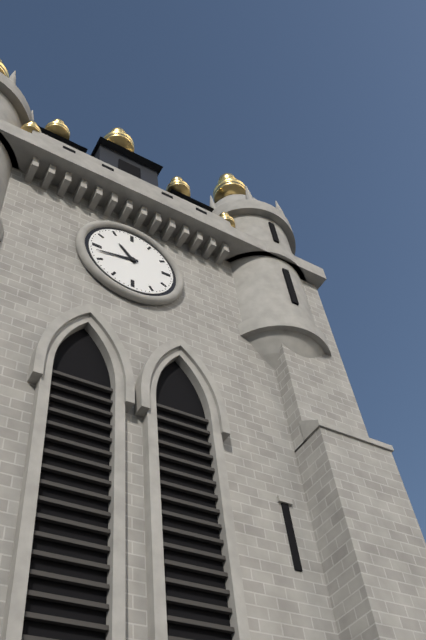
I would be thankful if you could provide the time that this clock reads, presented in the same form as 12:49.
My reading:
10:43
